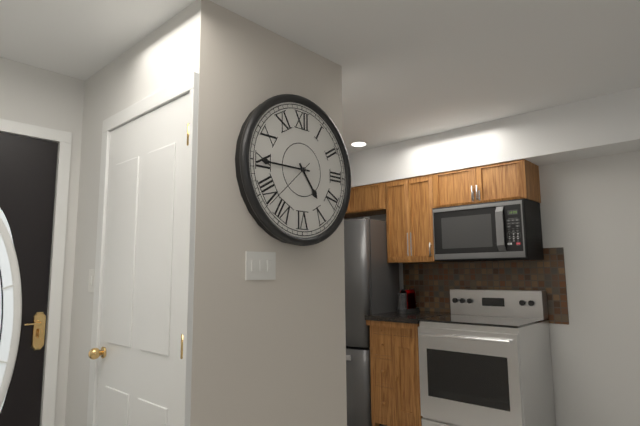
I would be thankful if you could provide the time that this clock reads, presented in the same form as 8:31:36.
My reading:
4:45:38
